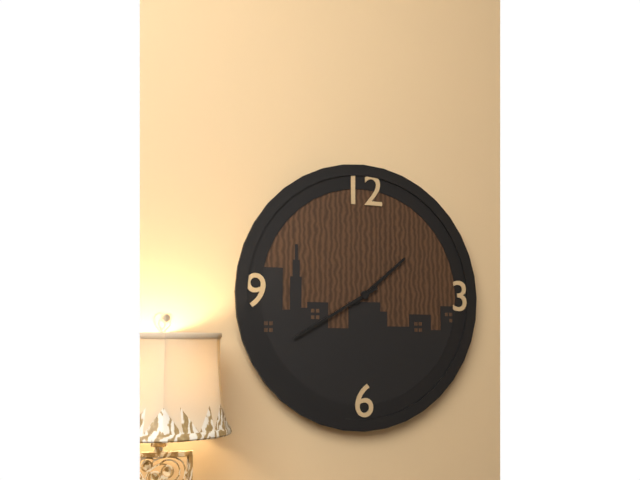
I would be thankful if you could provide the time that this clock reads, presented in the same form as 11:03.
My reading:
1:40
